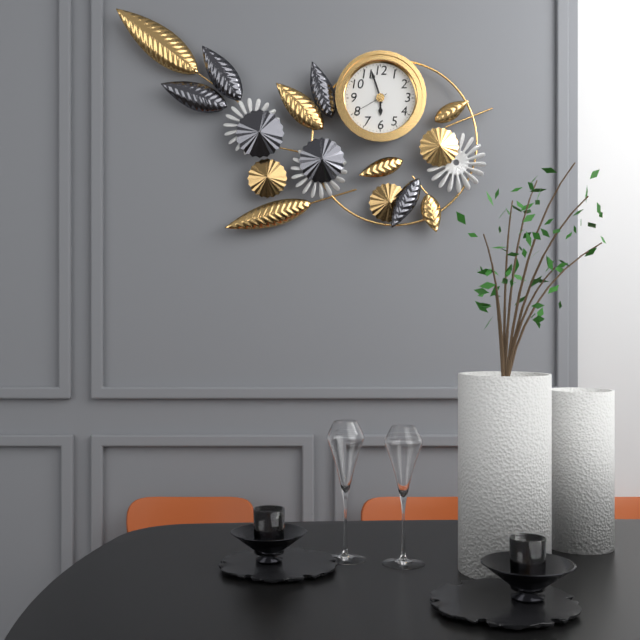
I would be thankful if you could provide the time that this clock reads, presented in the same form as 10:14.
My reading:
5:57
